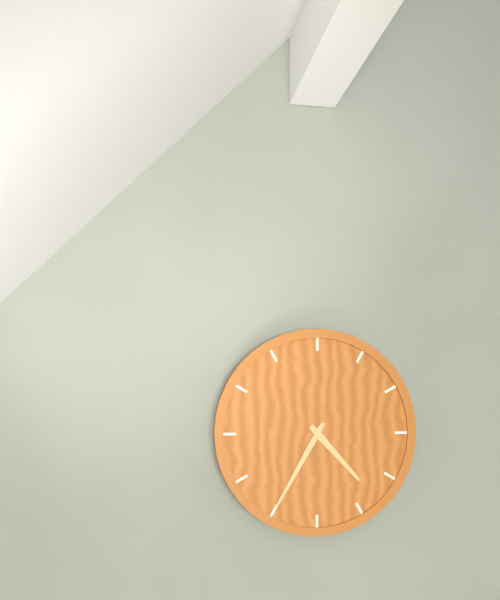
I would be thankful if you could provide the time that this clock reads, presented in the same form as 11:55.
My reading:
4:35
